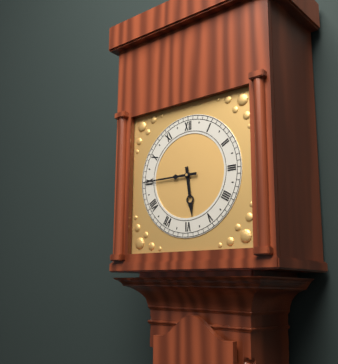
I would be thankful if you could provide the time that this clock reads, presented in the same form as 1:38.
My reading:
5:45
